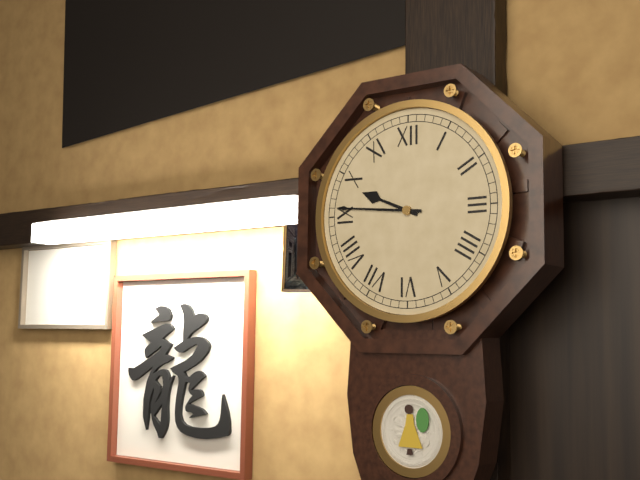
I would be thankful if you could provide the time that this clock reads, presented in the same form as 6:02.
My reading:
9:46
